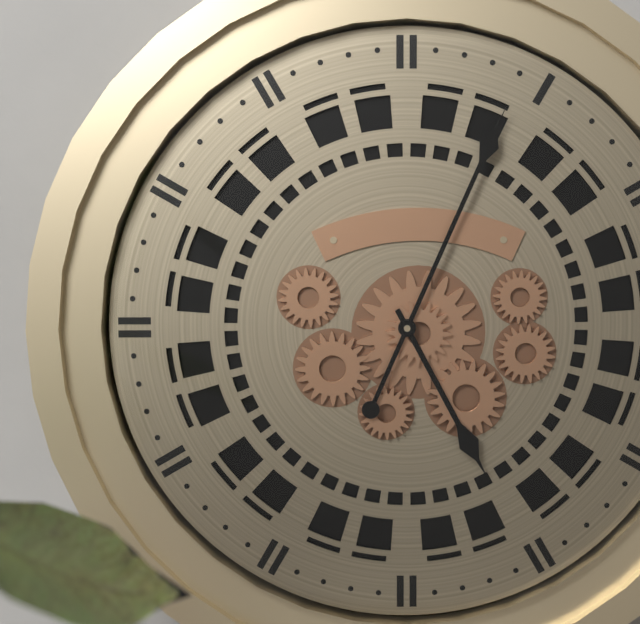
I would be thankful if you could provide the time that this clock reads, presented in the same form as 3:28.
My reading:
5:04
